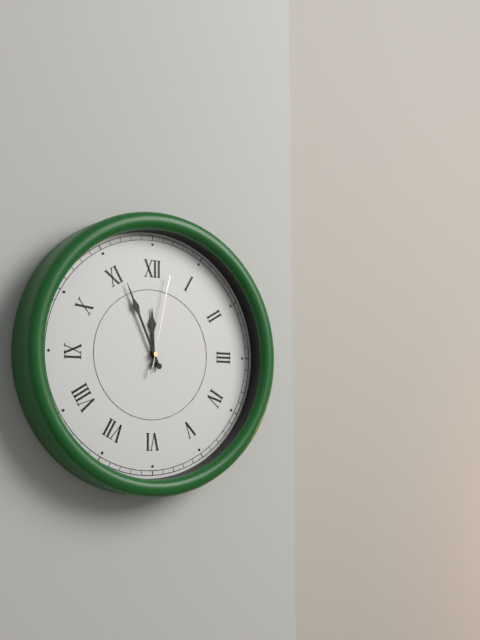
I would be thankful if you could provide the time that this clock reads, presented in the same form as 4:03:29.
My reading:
11:56:02
